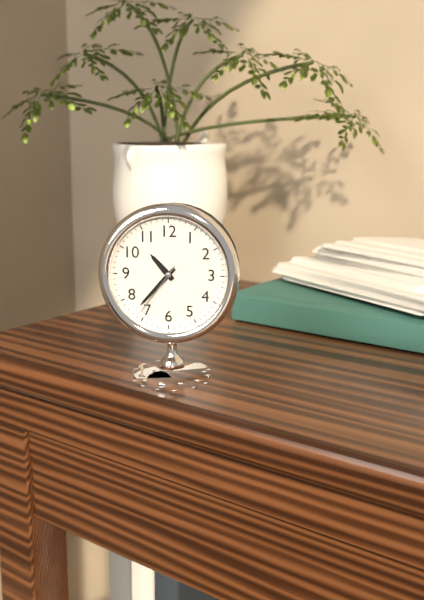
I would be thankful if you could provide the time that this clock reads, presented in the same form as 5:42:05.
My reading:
10:37:36
